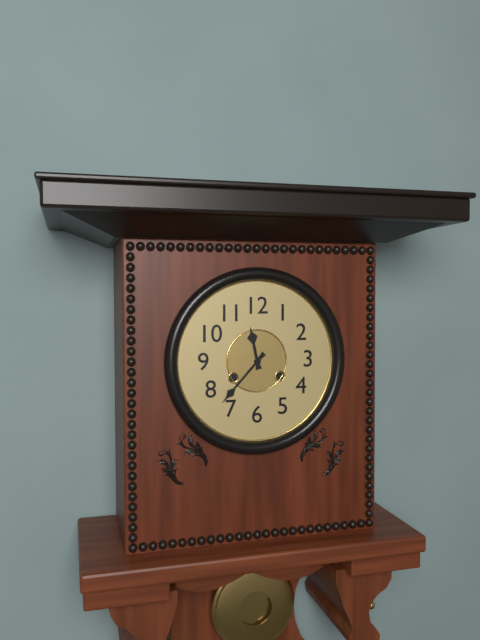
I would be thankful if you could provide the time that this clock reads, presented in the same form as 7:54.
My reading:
11:37
